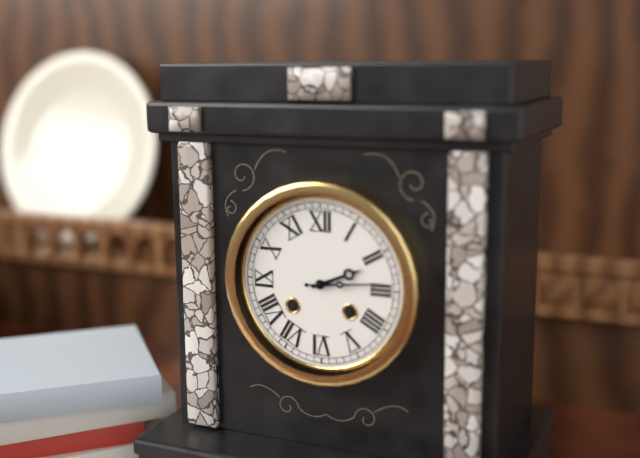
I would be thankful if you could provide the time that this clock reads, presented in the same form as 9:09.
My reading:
2:14
